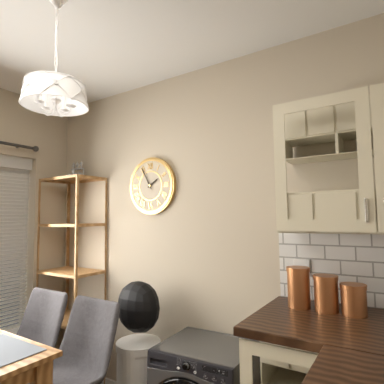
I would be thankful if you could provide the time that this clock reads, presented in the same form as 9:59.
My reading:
1:55
